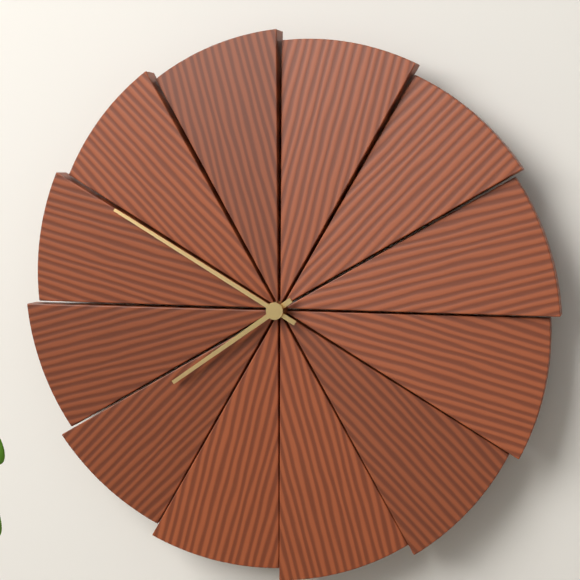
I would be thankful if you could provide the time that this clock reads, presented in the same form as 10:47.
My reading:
7:50
